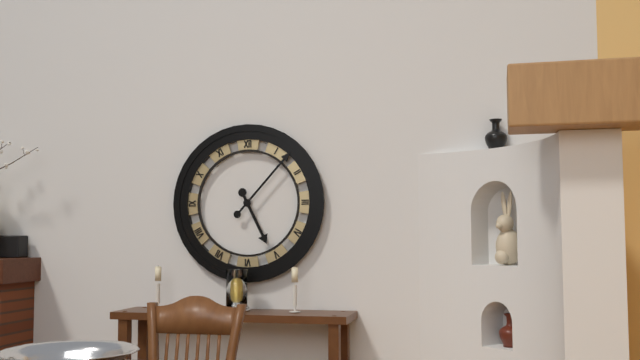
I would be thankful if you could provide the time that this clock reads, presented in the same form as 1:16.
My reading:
5:07
